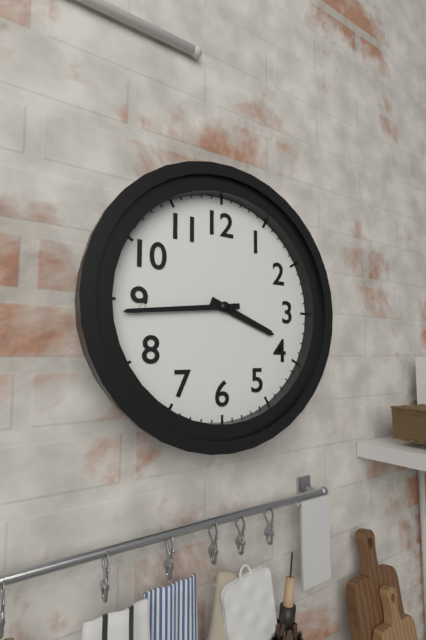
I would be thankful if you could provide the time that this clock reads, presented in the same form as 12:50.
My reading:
3:44
